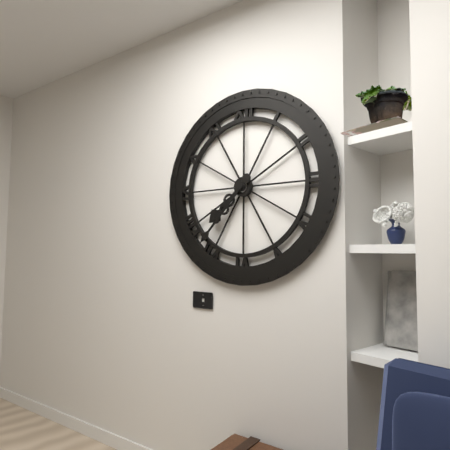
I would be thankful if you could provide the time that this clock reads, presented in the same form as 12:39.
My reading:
7:37
